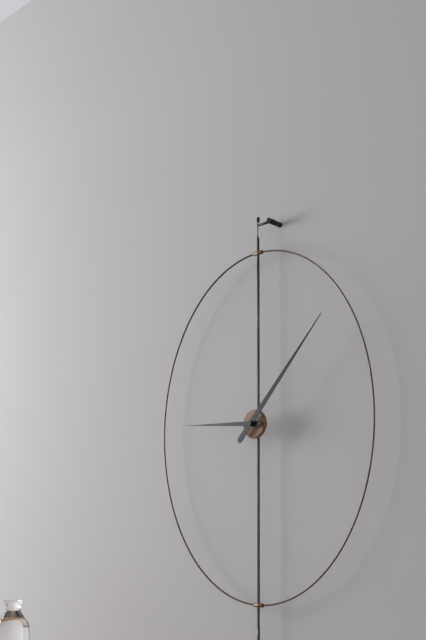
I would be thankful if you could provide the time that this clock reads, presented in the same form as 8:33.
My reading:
9:07
